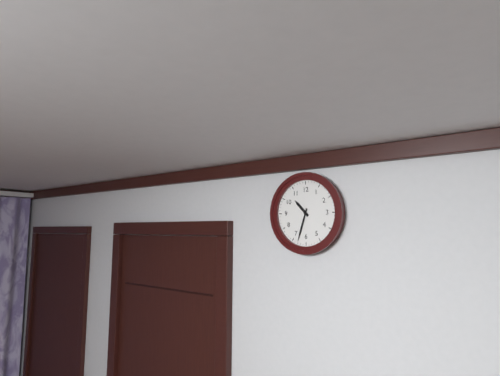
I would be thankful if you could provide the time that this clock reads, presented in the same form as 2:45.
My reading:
10:33
